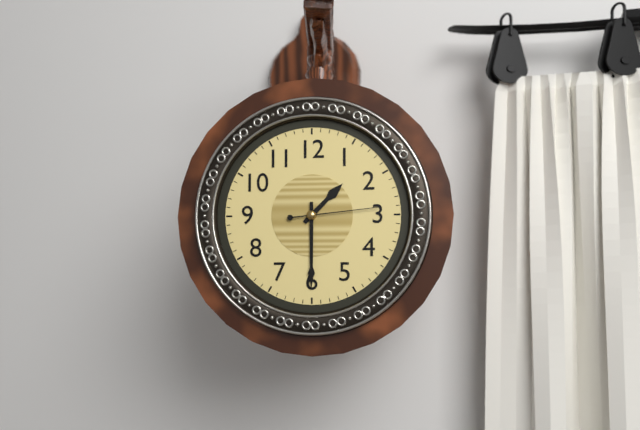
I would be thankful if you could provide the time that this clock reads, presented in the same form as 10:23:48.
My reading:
1:30:14
